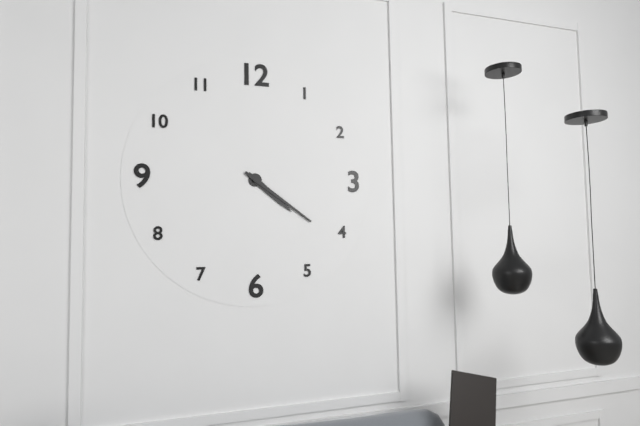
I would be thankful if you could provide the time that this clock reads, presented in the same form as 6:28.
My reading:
4:21
